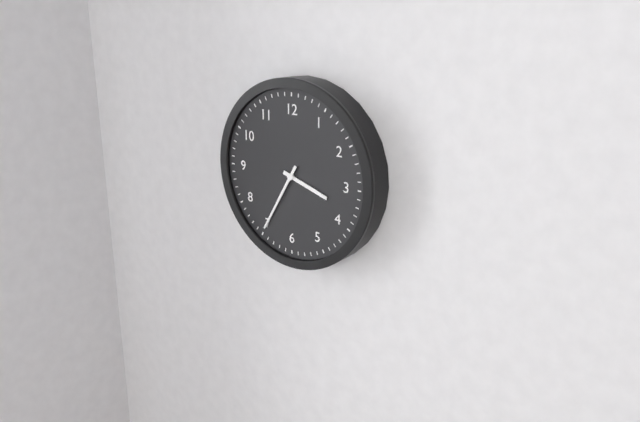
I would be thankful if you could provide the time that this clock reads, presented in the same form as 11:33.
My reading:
3:35
